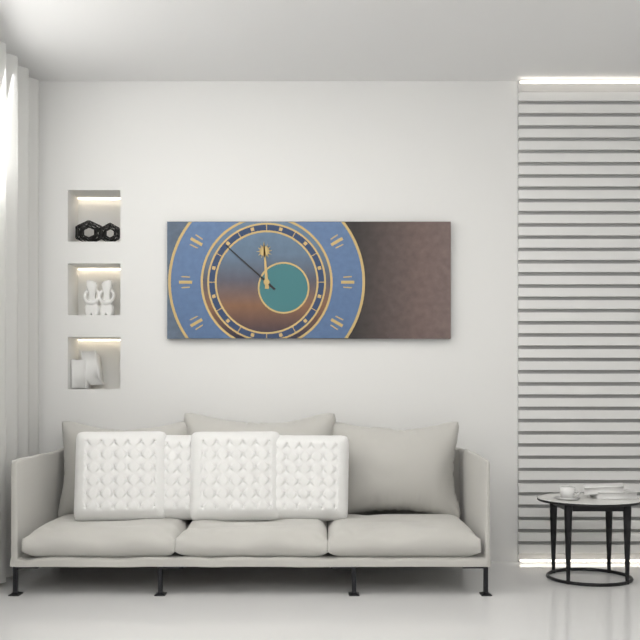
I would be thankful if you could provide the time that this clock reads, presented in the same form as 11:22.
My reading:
11:52
